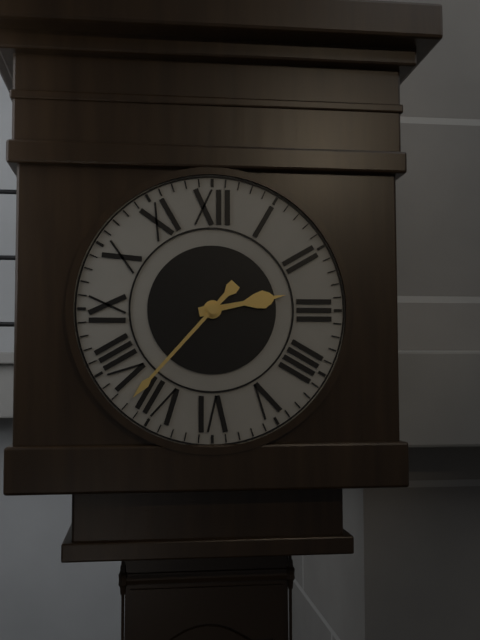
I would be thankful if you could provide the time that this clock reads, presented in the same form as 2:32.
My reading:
2:37
